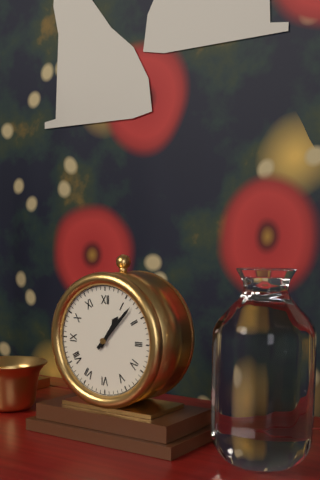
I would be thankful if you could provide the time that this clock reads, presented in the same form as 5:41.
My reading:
1:07
